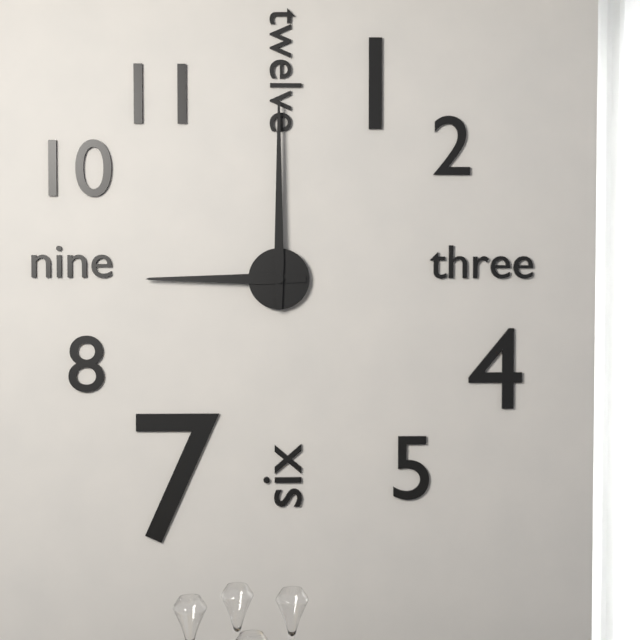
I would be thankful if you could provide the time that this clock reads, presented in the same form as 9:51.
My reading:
9:00
